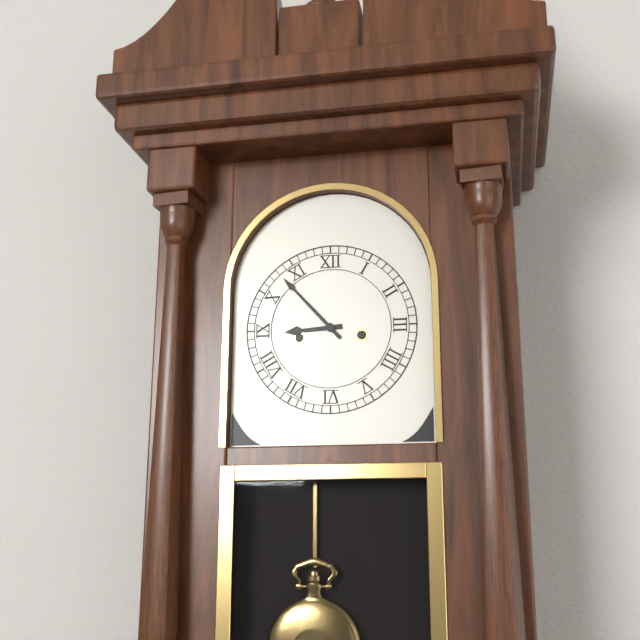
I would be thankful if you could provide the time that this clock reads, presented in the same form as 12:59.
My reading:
8:53
